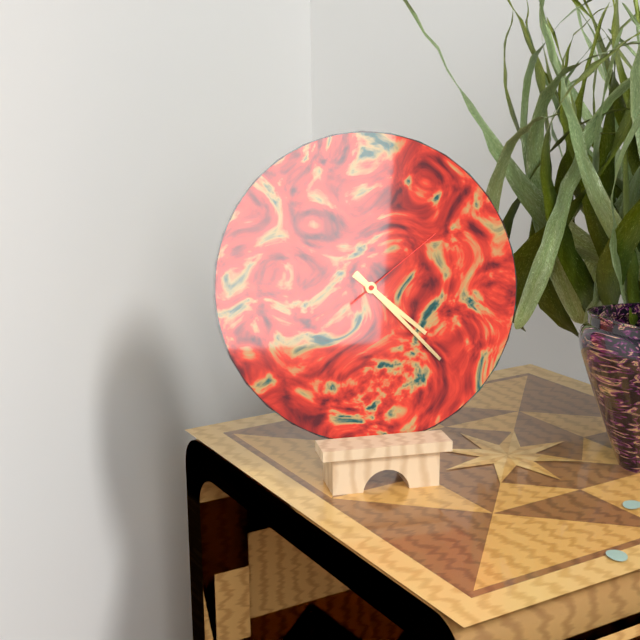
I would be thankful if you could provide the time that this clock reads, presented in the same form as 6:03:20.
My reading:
4:23:09
